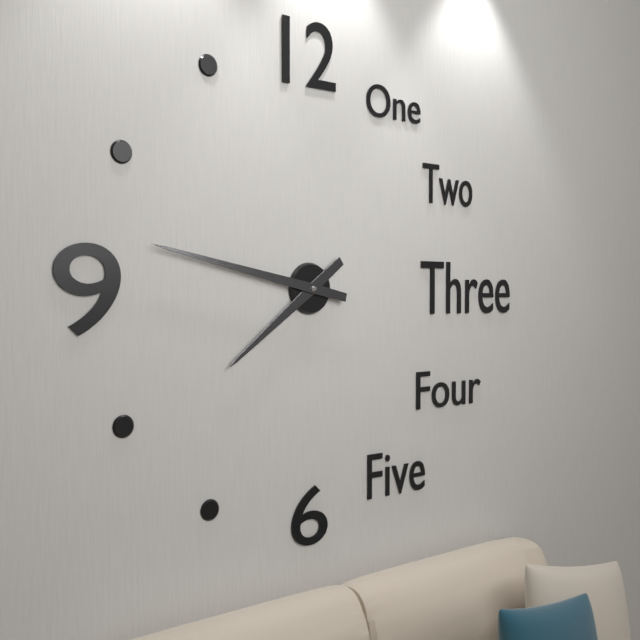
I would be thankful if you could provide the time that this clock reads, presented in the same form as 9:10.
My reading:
7:47
